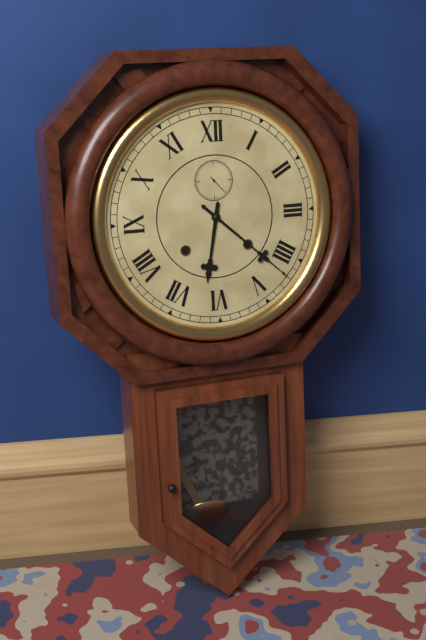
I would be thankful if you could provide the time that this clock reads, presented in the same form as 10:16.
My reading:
6:22
